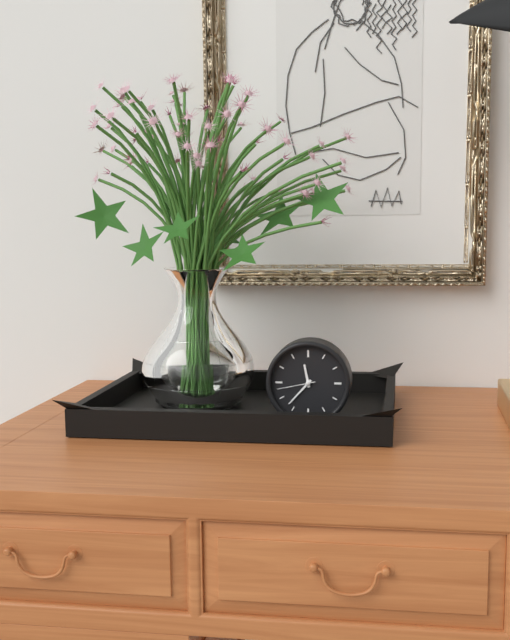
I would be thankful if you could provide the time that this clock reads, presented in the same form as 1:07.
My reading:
11:37
